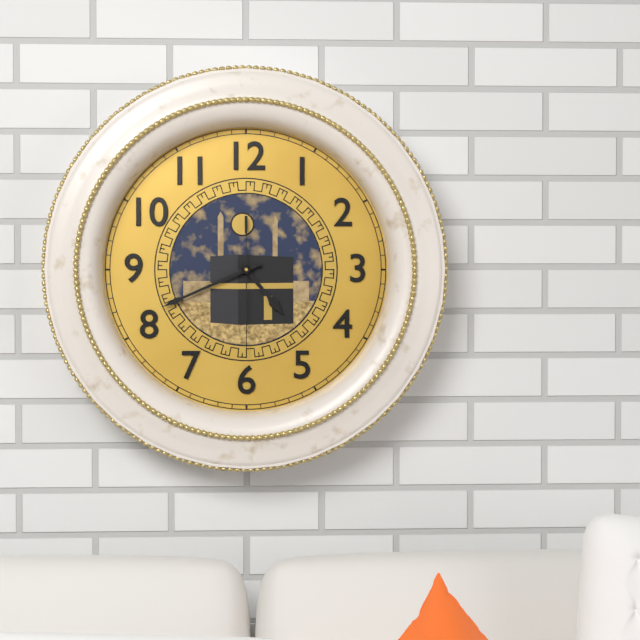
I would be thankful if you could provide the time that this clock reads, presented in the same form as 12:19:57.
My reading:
4:41:30
